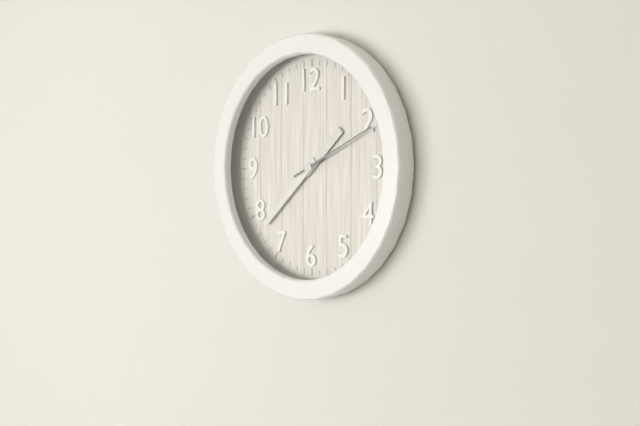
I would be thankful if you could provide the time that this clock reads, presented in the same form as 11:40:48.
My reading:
1:38:11
